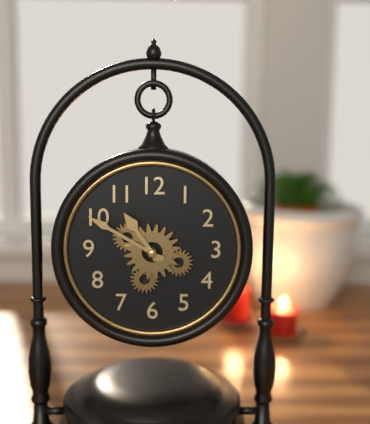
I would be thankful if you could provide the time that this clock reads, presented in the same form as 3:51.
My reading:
10:50
